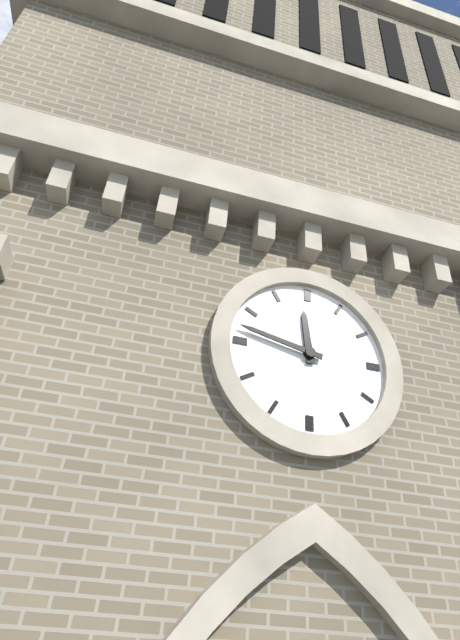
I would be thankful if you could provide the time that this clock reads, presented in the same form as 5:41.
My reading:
11:47
